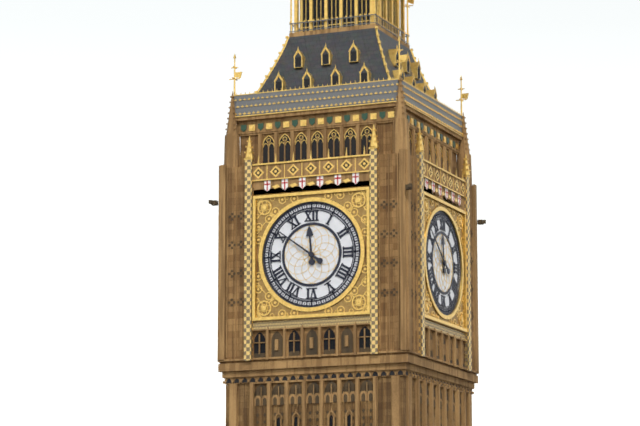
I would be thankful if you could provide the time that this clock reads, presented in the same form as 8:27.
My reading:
11:51
